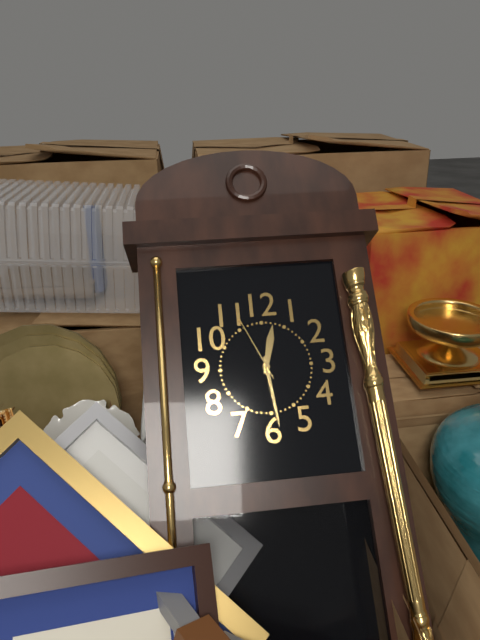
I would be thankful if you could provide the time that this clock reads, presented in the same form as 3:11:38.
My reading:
12:29:56
